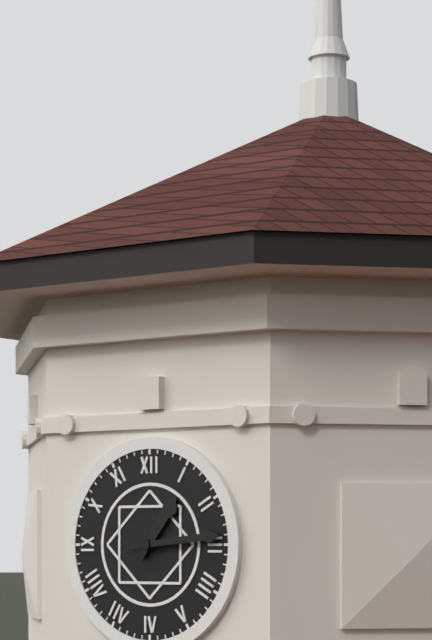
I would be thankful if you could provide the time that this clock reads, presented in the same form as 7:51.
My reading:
1:14
